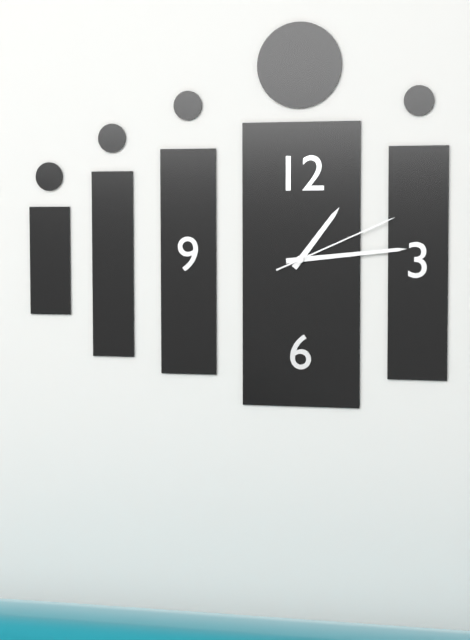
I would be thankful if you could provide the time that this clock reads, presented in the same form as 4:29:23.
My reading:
1:14:11
